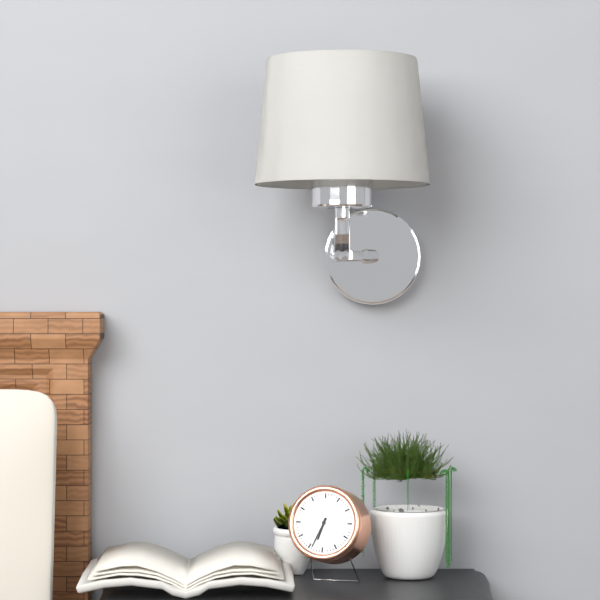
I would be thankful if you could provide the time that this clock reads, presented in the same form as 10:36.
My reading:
6:34
